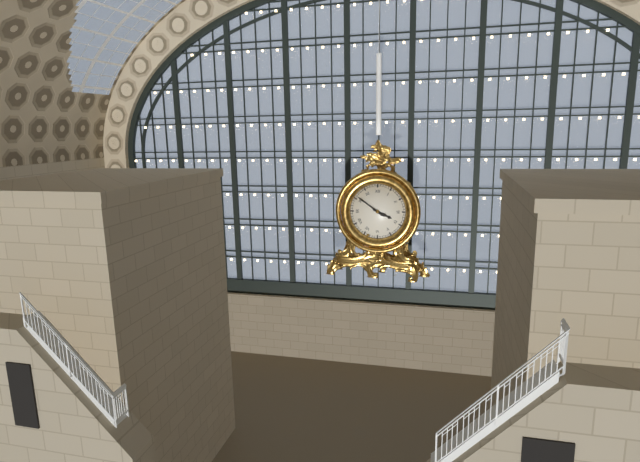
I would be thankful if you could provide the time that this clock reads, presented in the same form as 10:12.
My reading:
3:51
